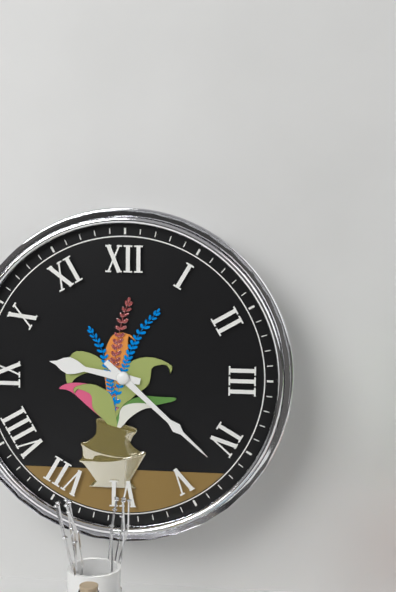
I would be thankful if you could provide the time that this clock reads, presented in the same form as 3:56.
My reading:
9:22
